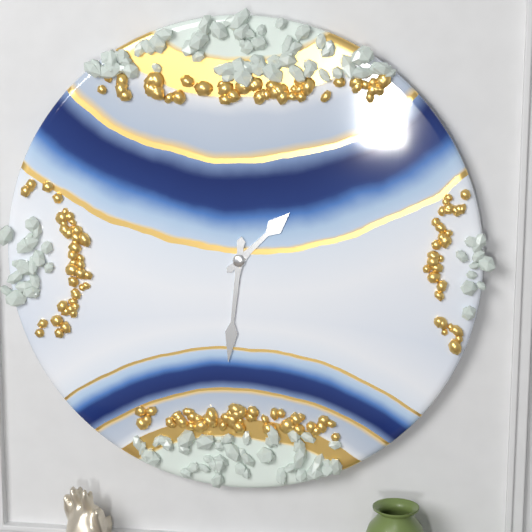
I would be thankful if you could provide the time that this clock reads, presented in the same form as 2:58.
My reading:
1:31
